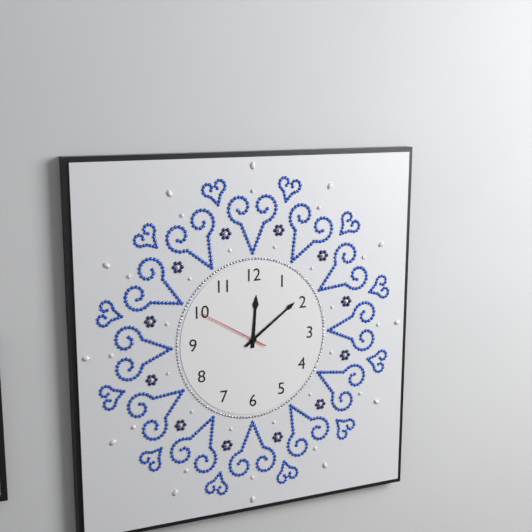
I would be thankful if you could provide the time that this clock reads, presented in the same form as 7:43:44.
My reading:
12:09:50
